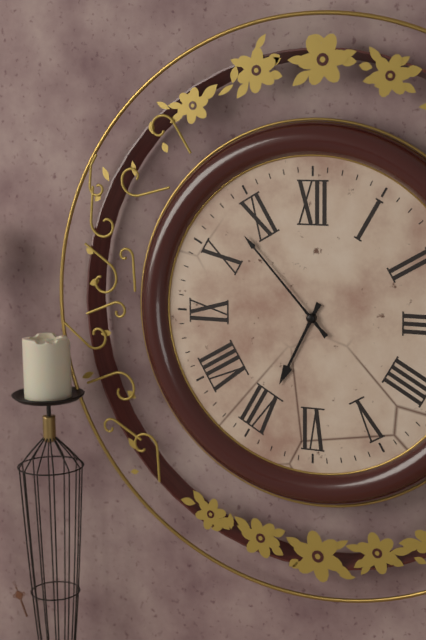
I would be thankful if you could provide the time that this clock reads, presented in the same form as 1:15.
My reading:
6:53
